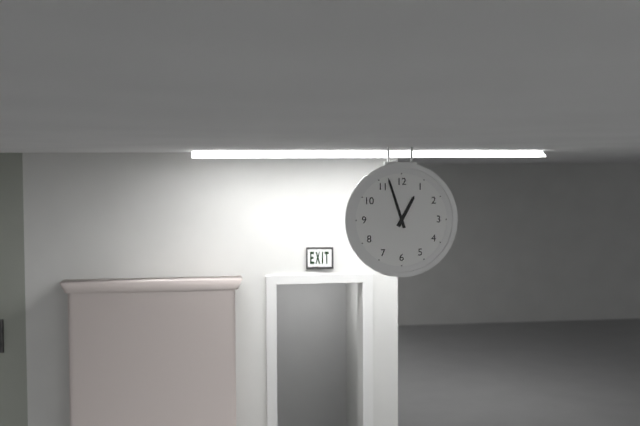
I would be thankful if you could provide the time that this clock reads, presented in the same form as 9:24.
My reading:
12:57
